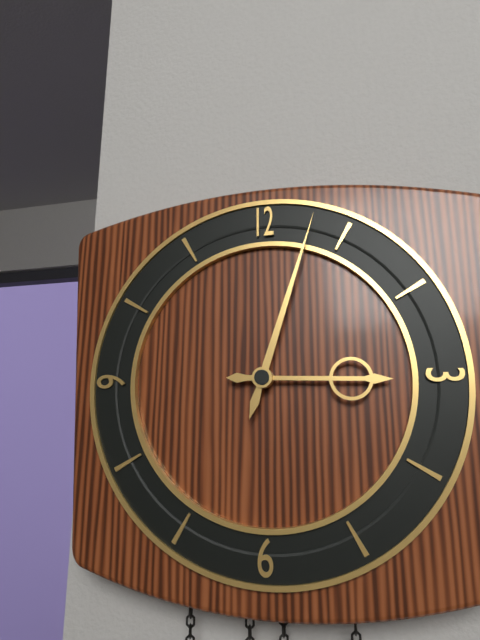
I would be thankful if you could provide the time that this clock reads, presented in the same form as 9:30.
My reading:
3:03
